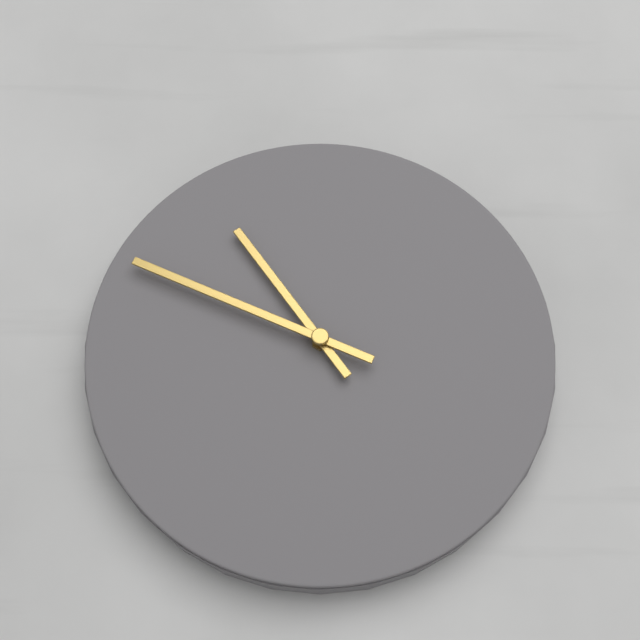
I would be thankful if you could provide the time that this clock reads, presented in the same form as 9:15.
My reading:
10:49
